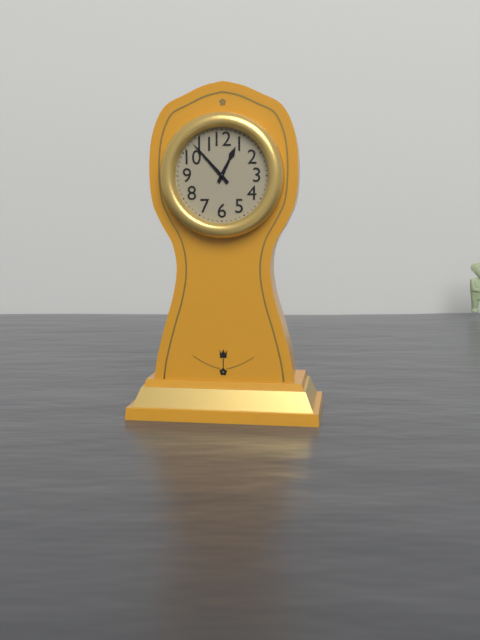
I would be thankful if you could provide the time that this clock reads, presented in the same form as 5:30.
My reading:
12:53
